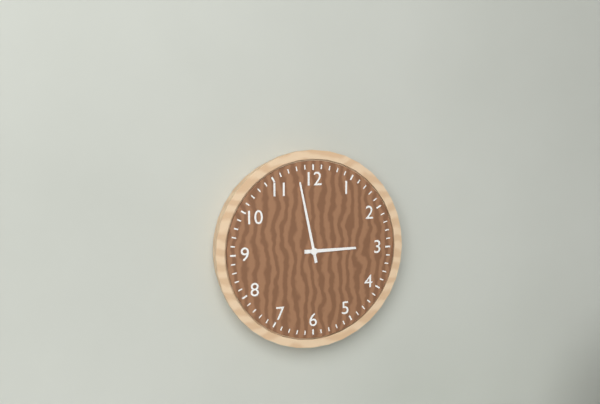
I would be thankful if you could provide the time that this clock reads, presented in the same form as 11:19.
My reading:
2:58
